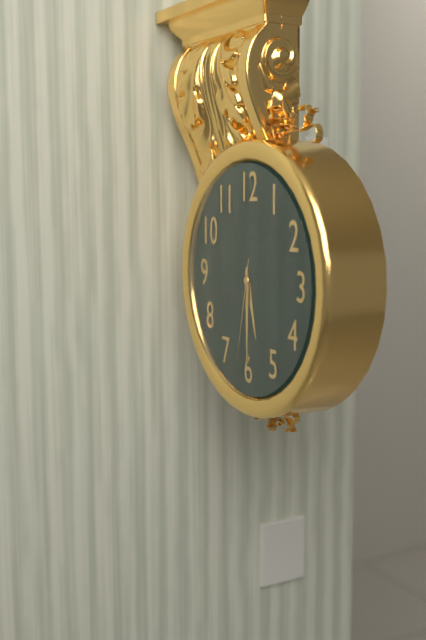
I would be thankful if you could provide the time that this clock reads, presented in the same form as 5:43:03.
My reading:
5:30:32
